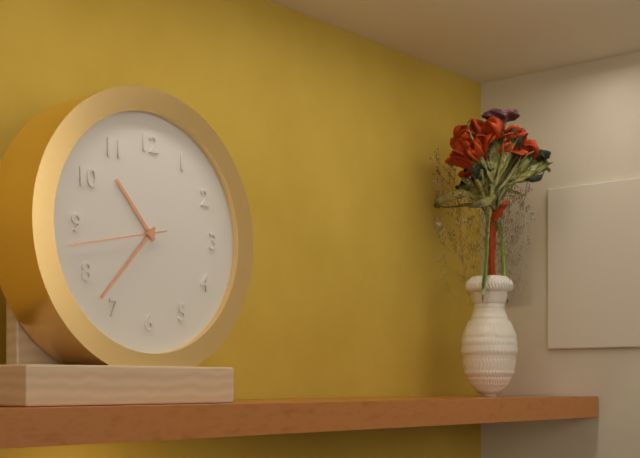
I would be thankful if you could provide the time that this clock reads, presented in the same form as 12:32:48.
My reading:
10:37:43
